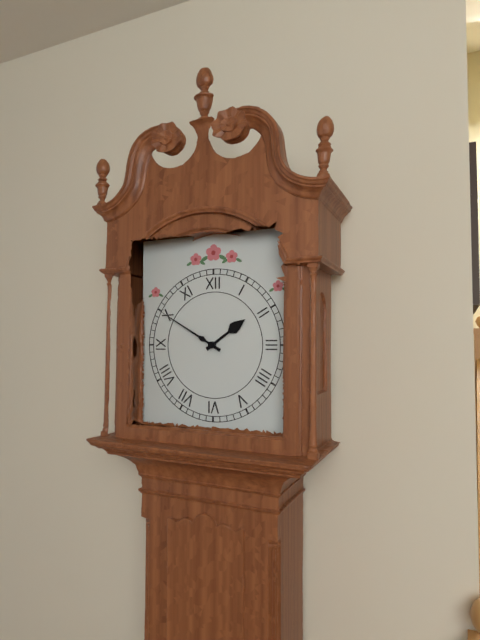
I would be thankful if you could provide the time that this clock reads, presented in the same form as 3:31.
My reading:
1:50
